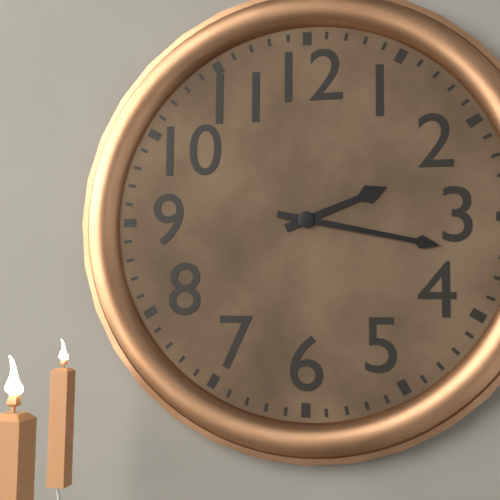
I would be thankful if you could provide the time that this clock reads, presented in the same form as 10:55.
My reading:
2:17
